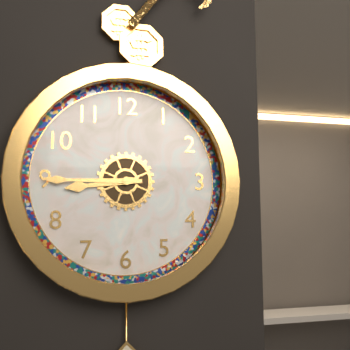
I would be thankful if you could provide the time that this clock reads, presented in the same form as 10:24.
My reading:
8:45
